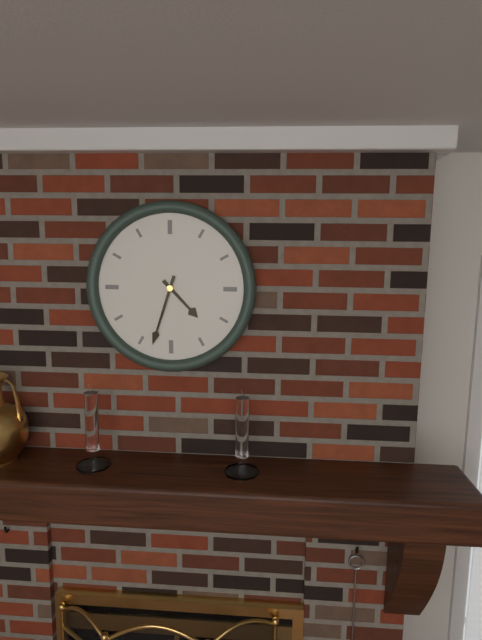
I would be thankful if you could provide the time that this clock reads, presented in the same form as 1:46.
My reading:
4:33
